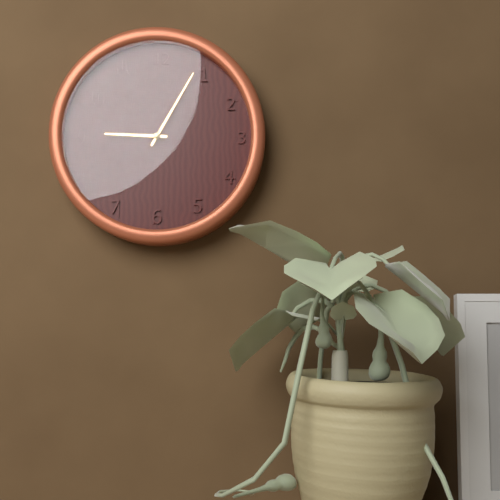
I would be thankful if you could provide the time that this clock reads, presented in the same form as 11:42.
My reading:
9:05
